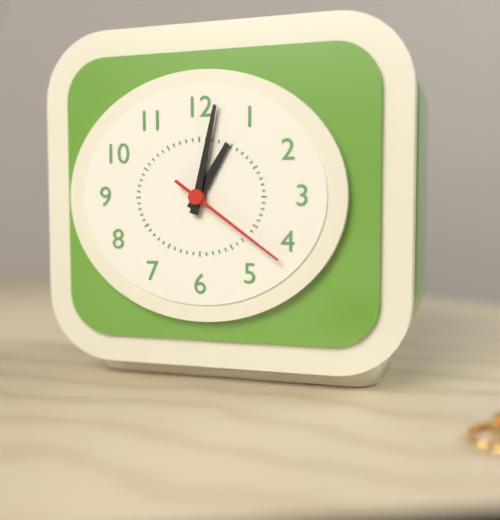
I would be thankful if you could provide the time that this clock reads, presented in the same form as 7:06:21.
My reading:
1:02:21
